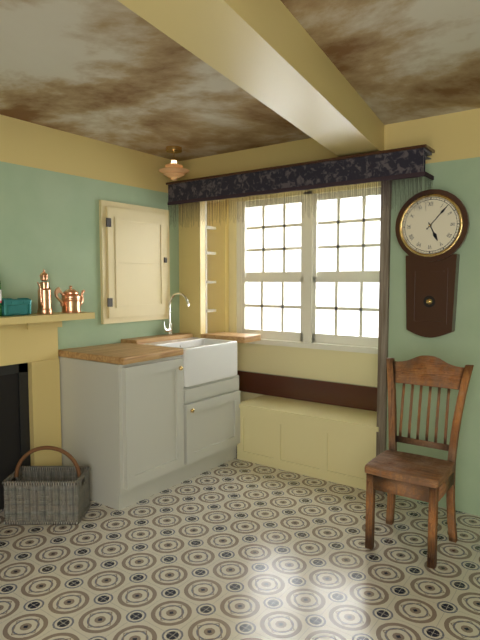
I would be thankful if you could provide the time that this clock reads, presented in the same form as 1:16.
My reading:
5:07
